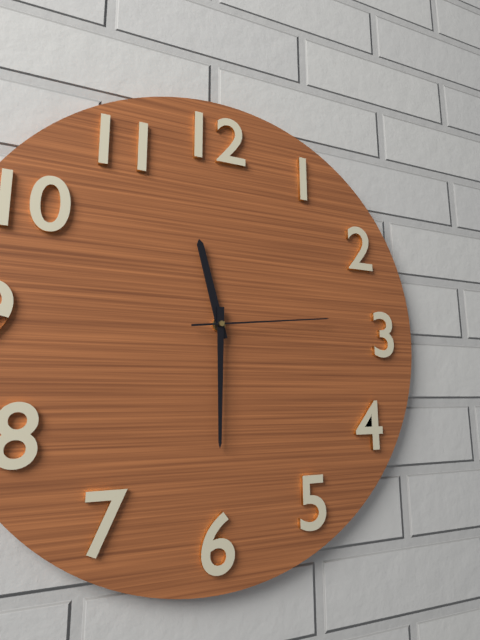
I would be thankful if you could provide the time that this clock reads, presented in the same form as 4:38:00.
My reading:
11:30:14
